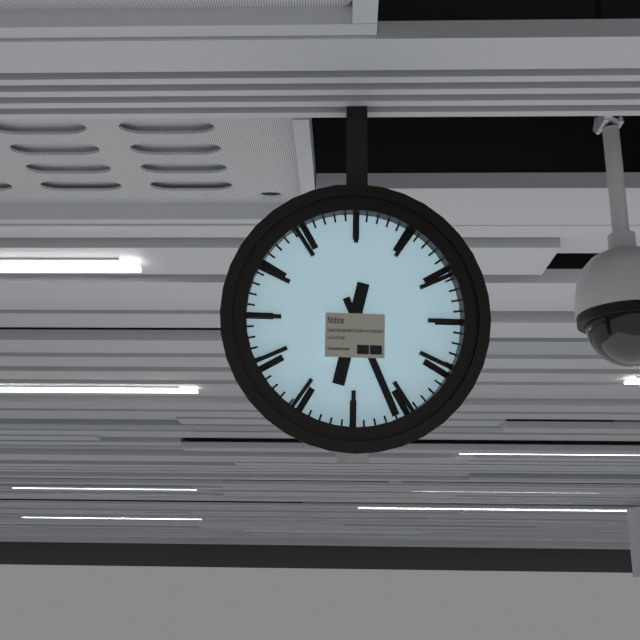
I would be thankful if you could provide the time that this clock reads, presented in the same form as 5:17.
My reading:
6:26
